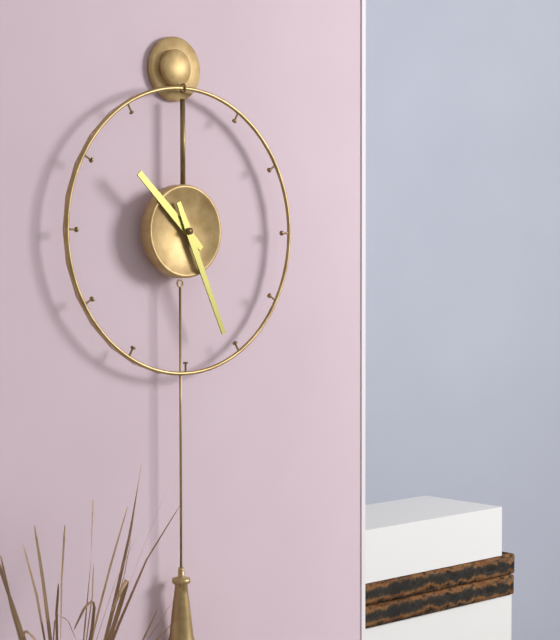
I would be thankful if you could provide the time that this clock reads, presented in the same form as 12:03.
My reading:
10:26
